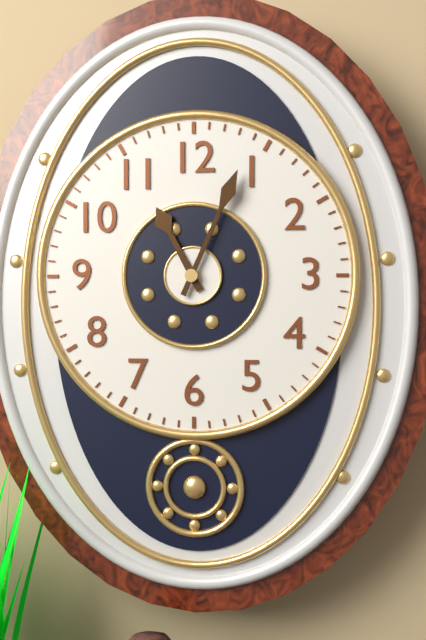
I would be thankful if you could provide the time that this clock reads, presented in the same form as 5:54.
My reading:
11:04
